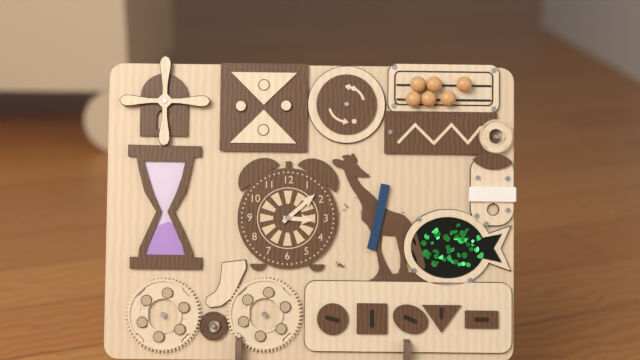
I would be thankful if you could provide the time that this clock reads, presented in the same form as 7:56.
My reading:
3:08
